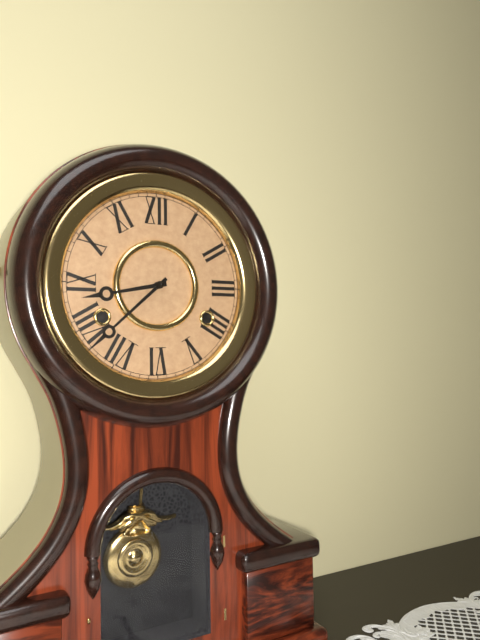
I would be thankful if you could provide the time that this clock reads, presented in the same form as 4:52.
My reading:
8:38
